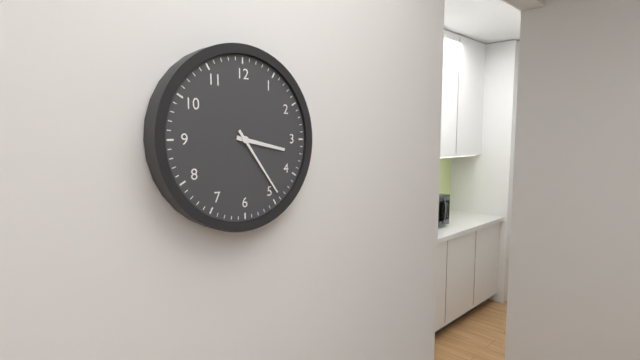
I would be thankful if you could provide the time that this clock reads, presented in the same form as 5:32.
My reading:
3:24
